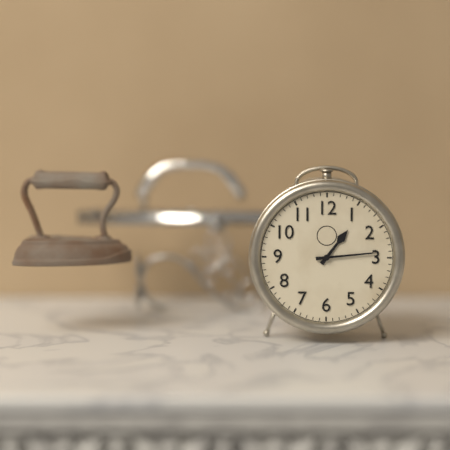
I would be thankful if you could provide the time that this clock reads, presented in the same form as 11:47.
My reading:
1:14
